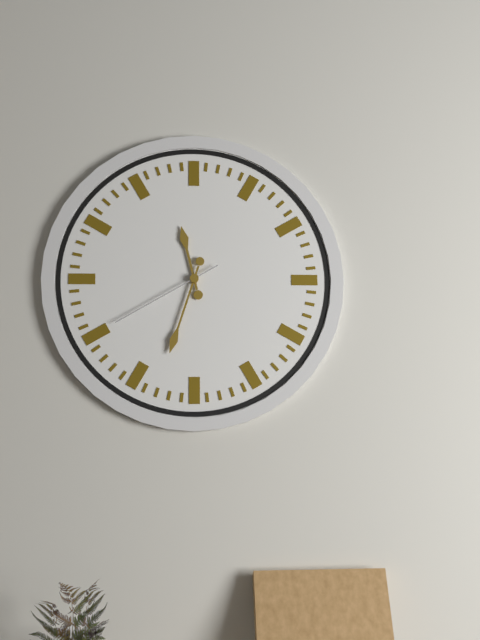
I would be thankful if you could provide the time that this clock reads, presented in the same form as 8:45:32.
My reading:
11:33:40
